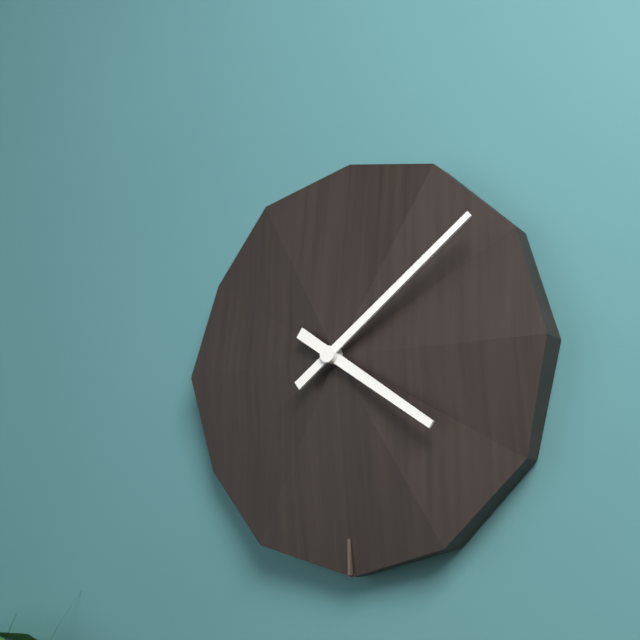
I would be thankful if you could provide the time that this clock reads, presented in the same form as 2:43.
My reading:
4:09
